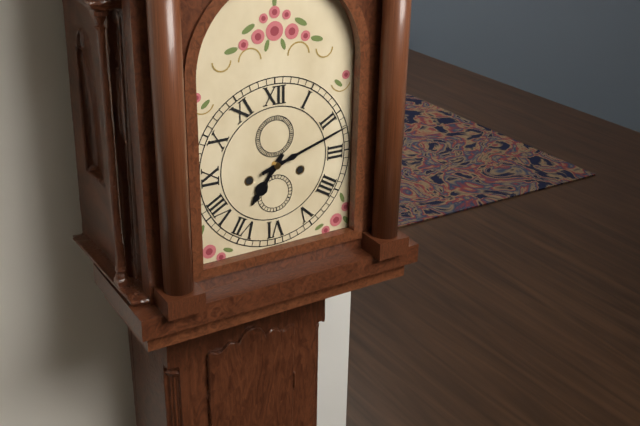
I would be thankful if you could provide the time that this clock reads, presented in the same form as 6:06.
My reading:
7:12
